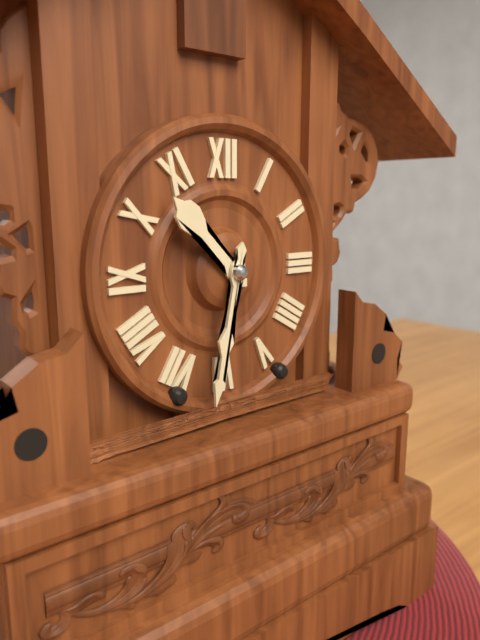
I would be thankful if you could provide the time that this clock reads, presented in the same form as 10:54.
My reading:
10:32
